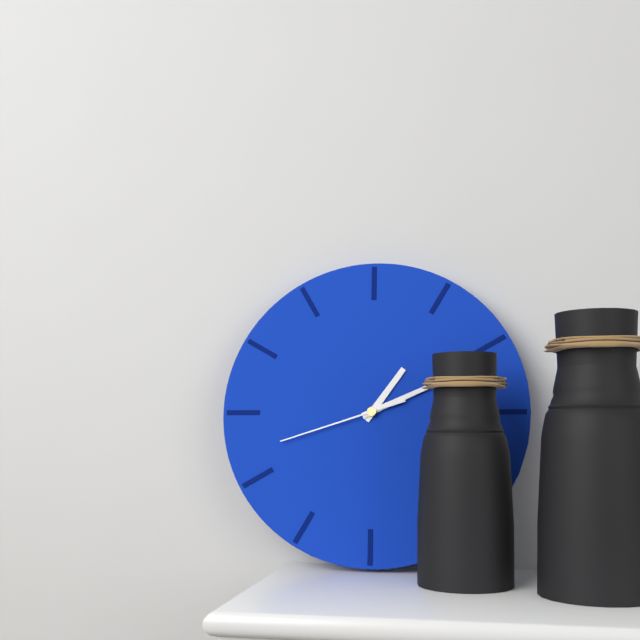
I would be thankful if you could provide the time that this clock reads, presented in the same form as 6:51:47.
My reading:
1:11:42
